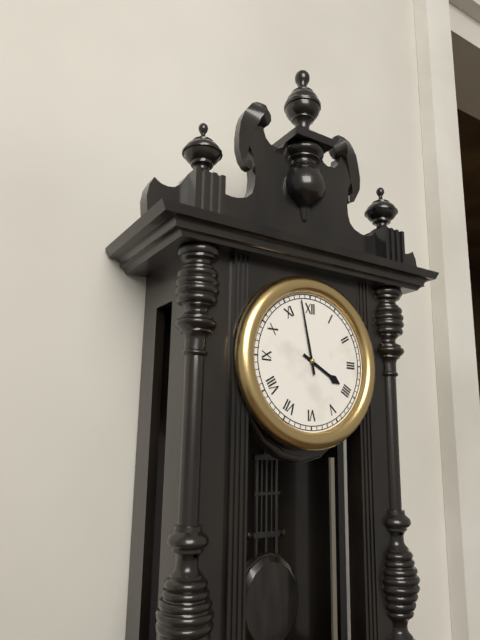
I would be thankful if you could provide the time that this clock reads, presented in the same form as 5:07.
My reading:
3:58
